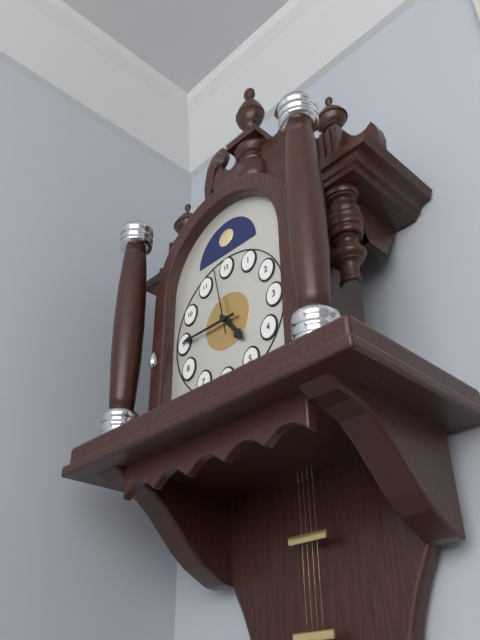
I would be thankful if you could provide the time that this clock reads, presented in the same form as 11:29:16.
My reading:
4:45:58
